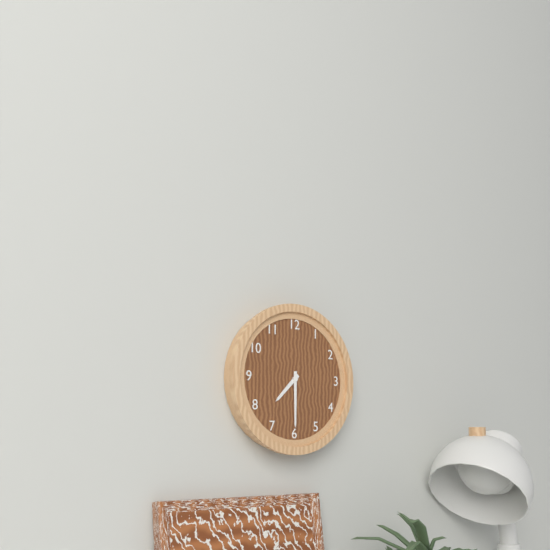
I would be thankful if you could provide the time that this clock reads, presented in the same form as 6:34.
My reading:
7:30
